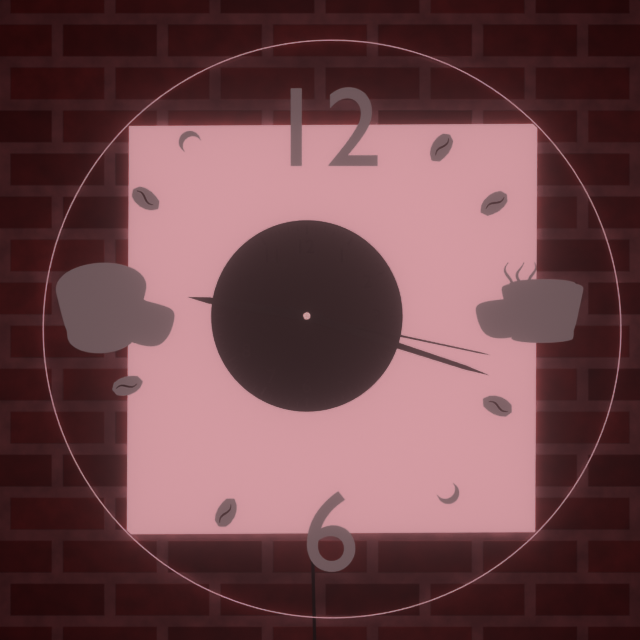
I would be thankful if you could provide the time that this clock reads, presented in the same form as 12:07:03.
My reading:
9:18:17
